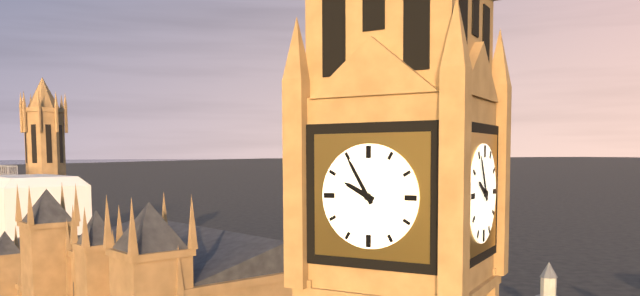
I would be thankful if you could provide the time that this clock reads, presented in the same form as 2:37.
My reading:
9:55
